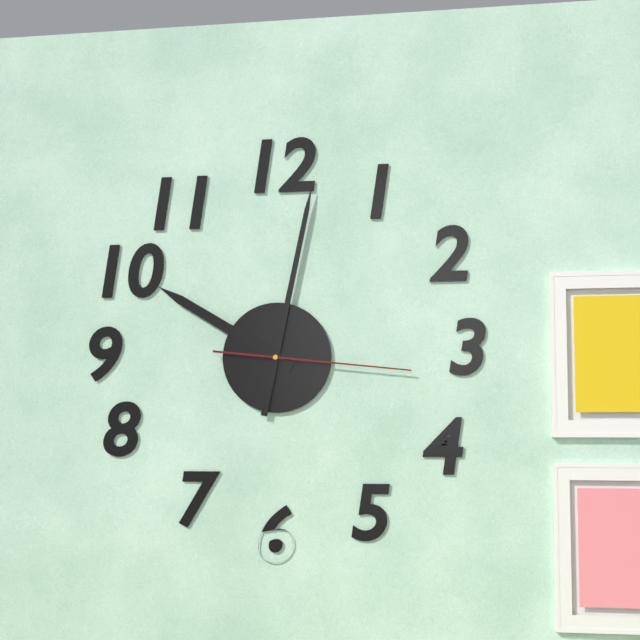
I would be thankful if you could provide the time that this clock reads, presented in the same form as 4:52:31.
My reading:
10:02:16
